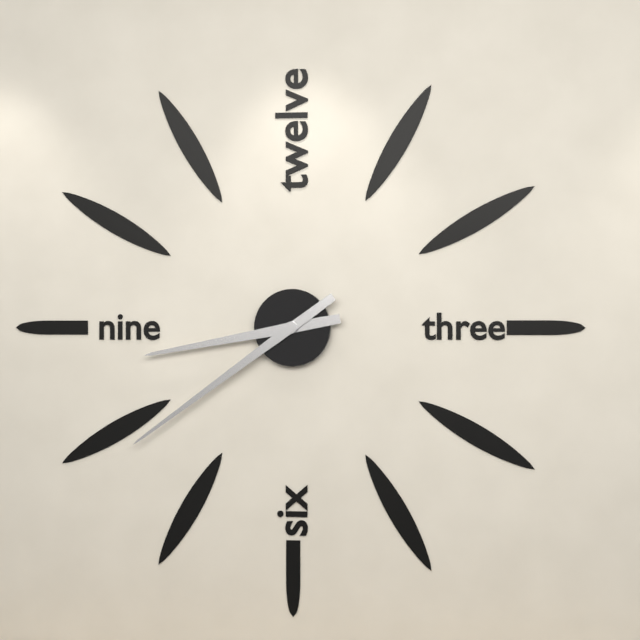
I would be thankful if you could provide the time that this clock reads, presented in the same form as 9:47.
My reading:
8:39
